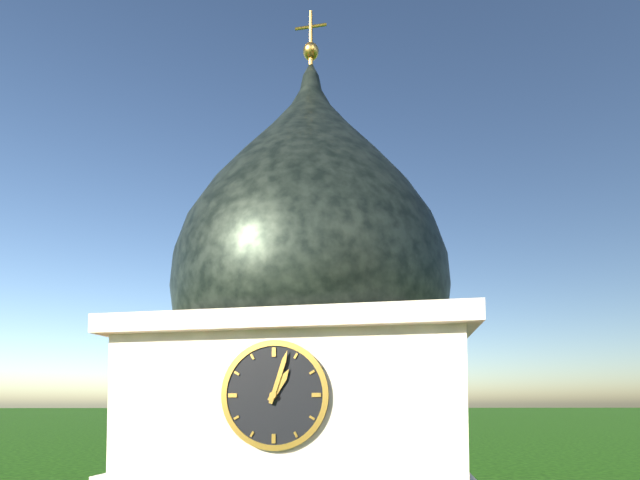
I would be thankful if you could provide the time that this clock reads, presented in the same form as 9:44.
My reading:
1:03
